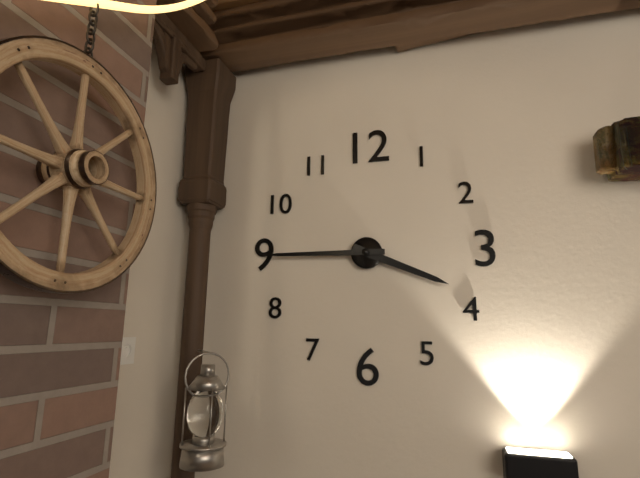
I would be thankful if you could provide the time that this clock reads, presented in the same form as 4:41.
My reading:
3:45
